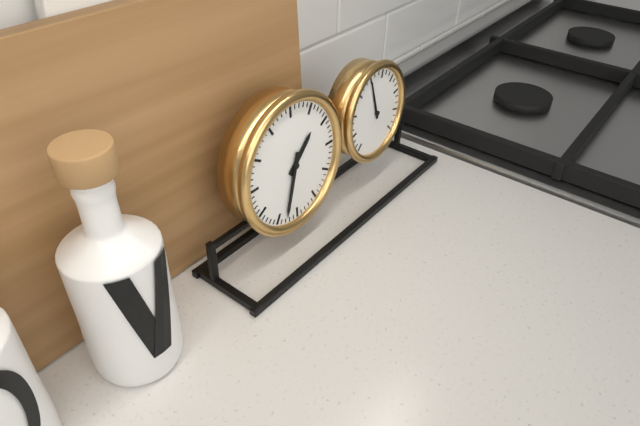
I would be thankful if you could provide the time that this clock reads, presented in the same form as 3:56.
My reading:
1:33
